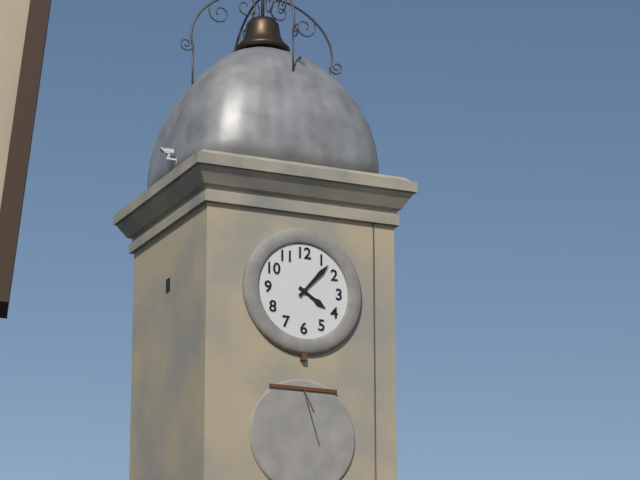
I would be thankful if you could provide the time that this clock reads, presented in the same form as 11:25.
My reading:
4:07
